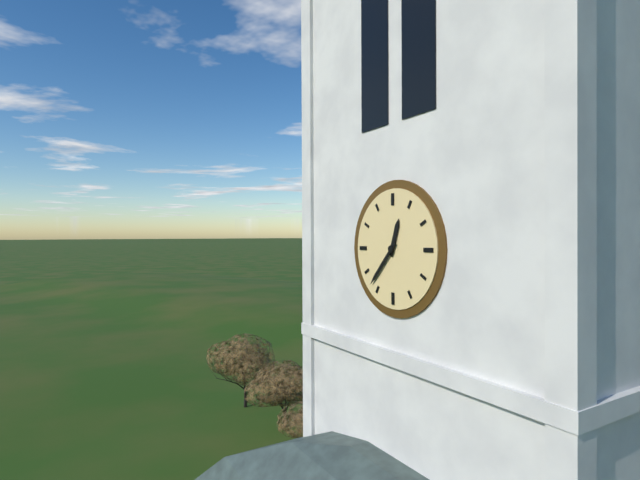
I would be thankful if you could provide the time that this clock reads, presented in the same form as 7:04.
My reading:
12:37
